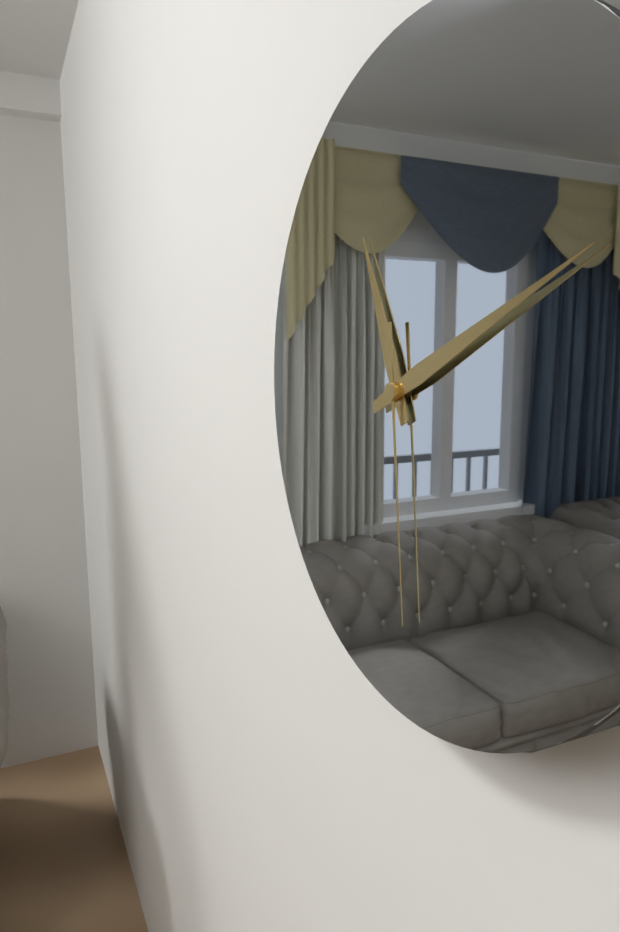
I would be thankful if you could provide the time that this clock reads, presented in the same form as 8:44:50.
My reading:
11:11:29
